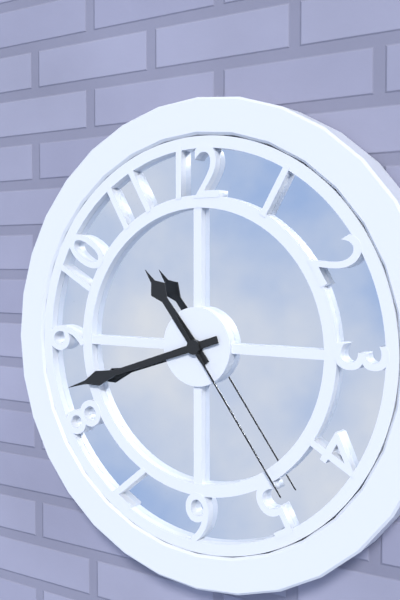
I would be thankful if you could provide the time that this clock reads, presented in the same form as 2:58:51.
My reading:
10:42:24
